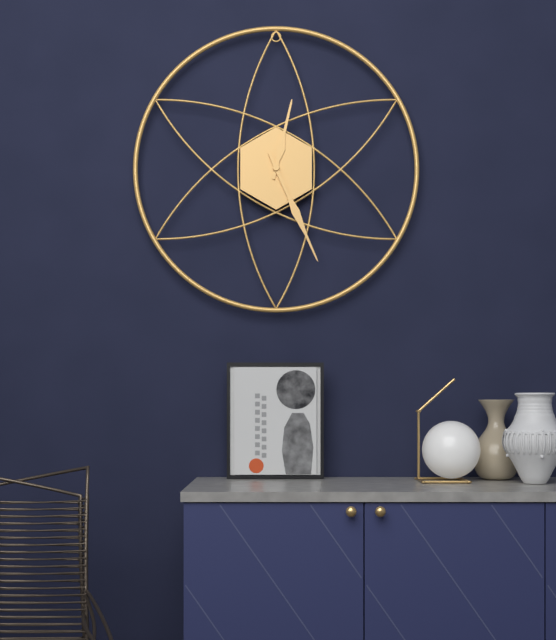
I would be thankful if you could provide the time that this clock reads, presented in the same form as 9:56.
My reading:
12:26
